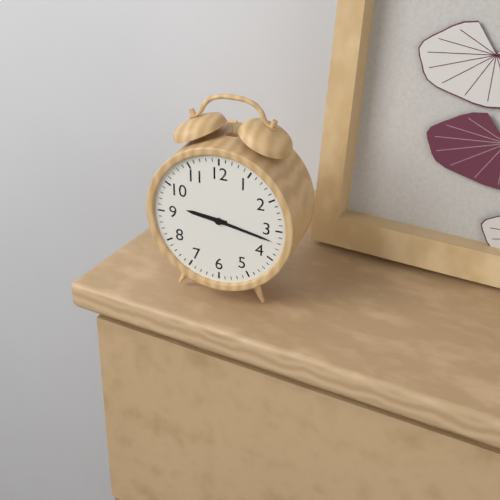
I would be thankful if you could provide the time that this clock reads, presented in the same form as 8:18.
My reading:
9:17
